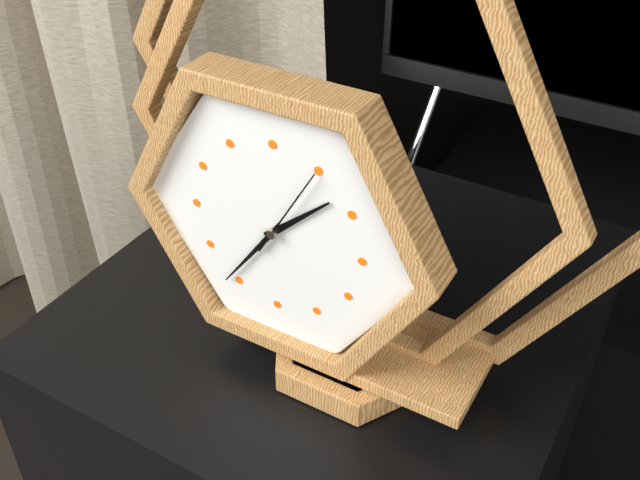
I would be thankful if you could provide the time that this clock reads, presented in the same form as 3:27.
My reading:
1:36
